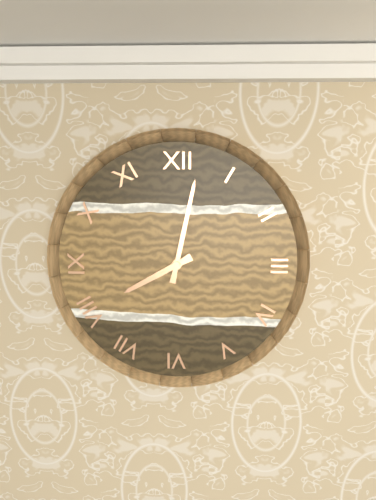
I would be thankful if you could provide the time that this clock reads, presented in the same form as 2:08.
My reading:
8:02
